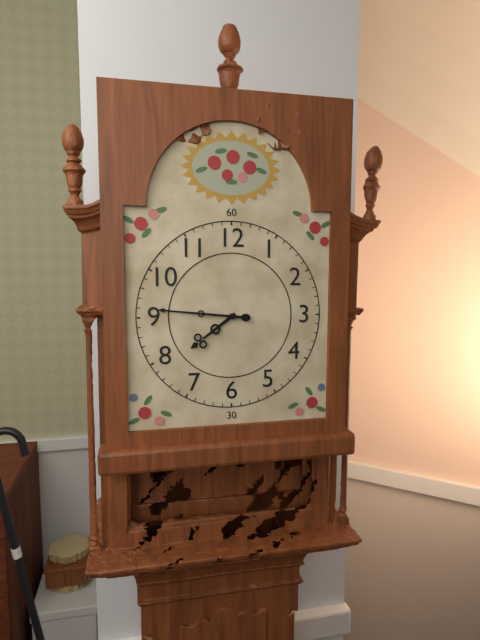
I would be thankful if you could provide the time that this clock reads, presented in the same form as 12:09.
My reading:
7:46
